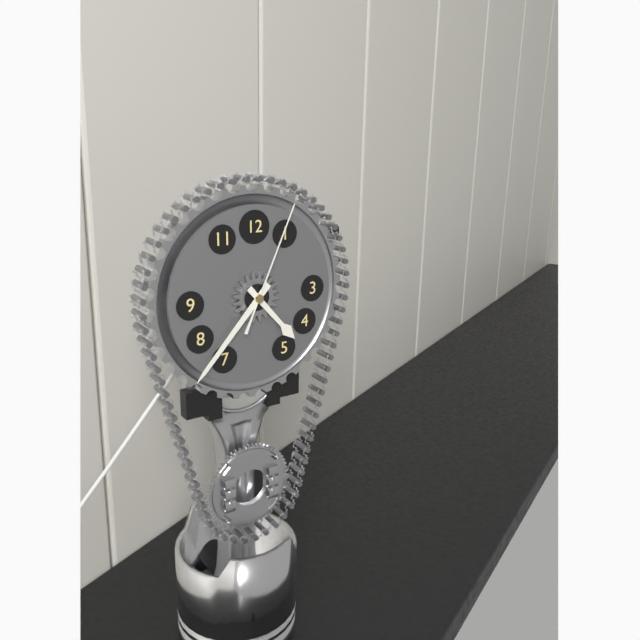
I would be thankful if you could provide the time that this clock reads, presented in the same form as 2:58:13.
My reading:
4:37:04
